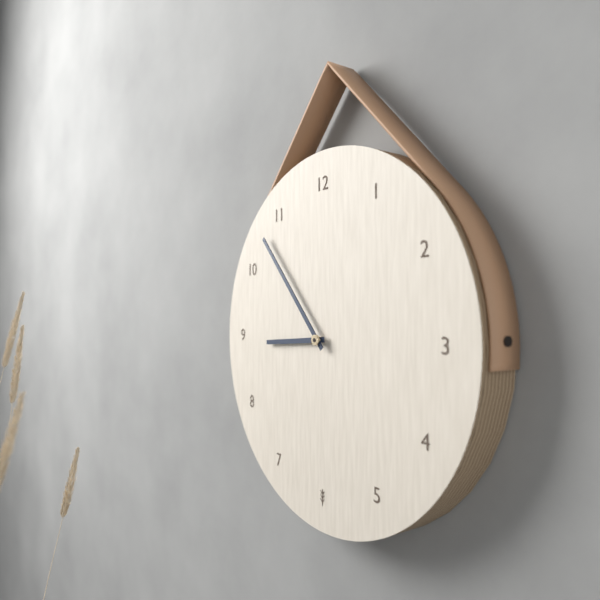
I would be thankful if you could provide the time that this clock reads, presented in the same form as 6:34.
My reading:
8:53
